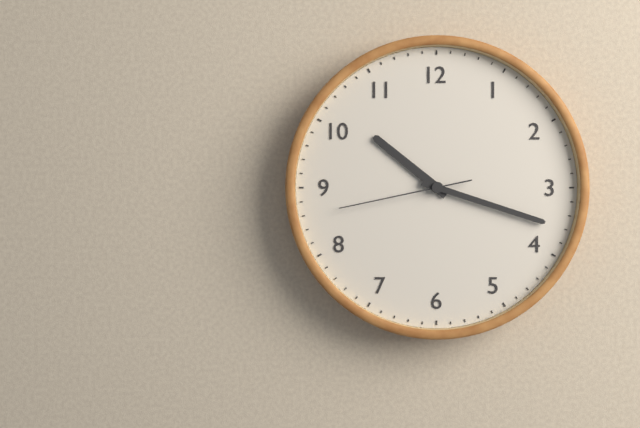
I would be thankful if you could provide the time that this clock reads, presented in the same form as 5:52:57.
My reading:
10:18:43
